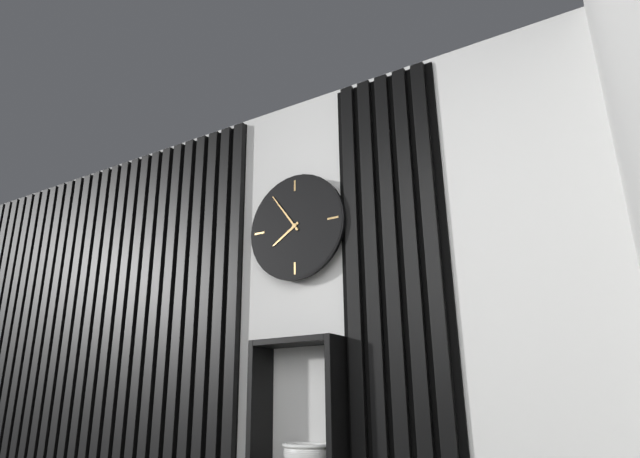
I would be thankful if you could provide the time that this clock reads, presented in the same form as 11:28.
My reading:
7:54
